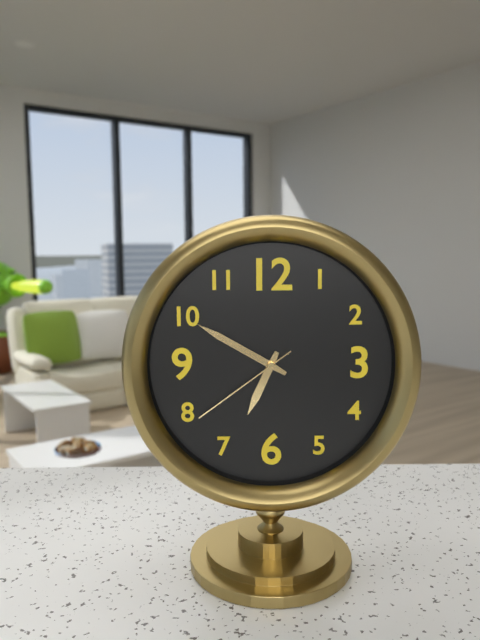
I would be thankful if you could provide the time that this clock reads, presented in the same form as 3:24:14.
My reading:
6:50:39
